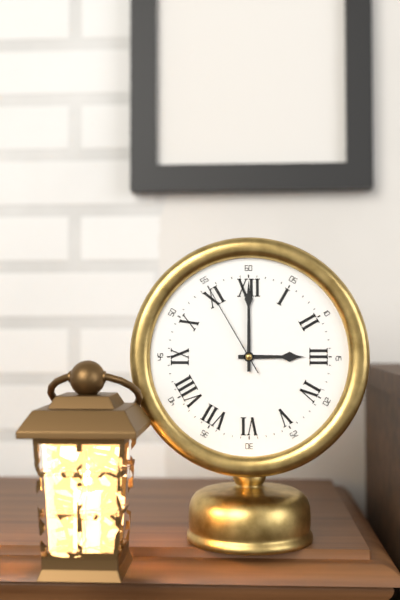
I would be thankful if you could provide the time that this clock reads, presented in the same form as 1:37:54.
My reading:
3:00:55
